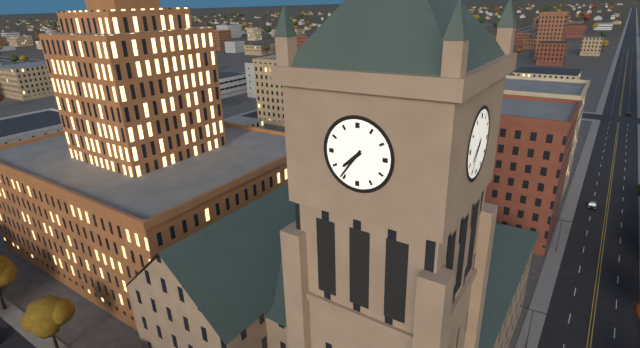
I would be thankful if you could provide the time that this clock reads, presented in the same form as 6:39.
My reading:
7:36
